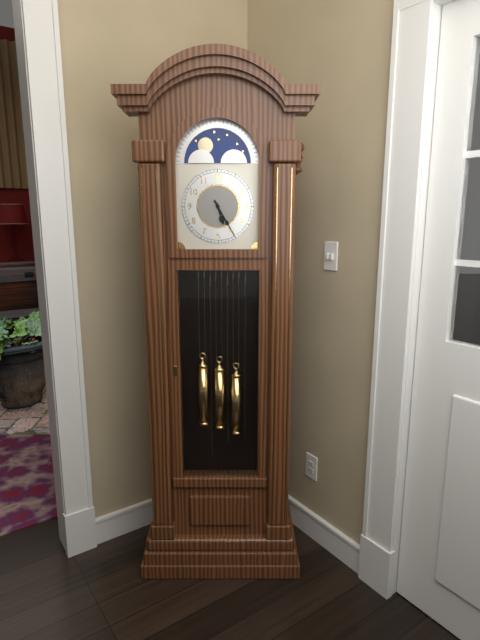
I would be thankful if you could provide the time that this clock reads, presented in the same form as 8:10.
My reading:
5:25
